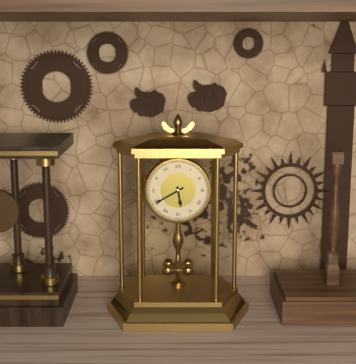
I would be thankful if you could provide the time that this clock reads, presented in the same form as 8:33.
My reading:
5:40
